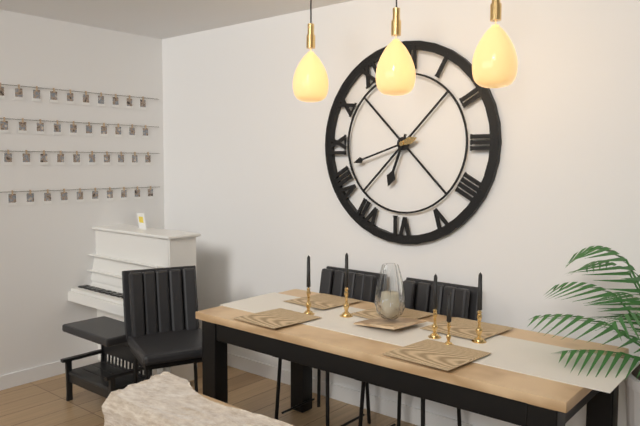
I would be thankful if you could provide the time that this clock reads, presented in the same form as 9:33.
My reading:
6:42
